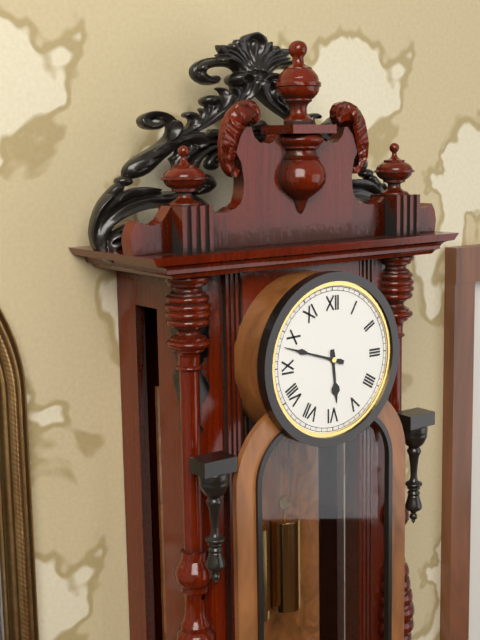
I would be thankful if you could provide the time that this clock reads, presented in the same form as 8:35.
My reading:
5:48
